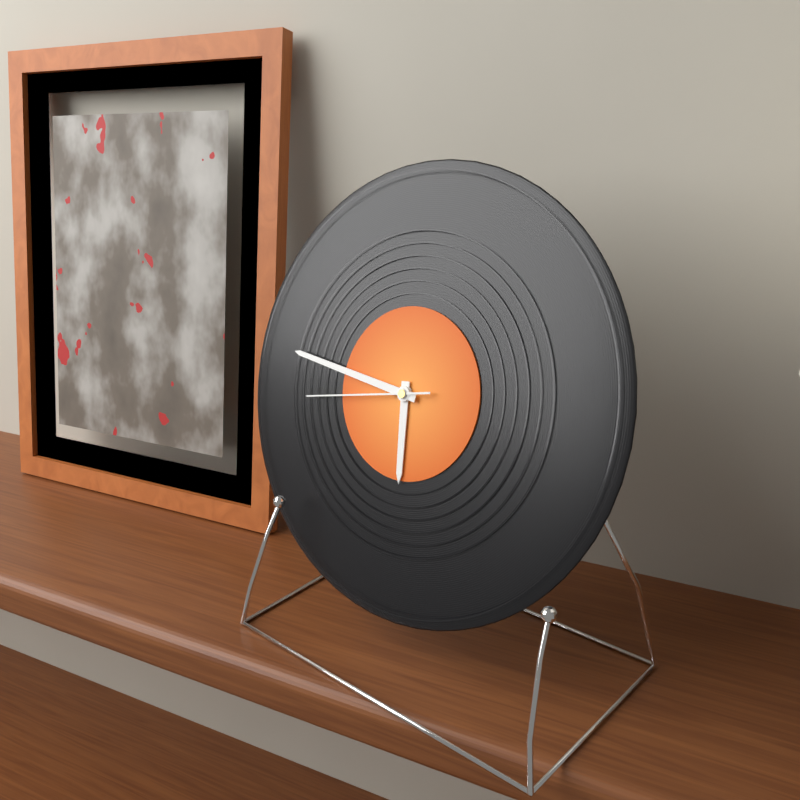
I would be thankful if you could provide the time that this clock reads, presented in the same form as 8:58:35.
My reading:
5:46:43
